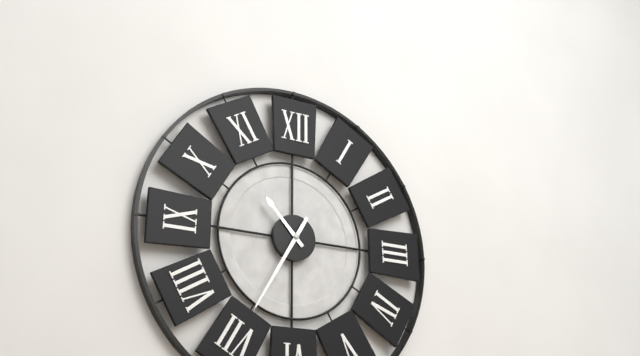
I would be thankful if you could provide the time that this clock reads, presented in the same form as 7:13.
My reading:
10:35
